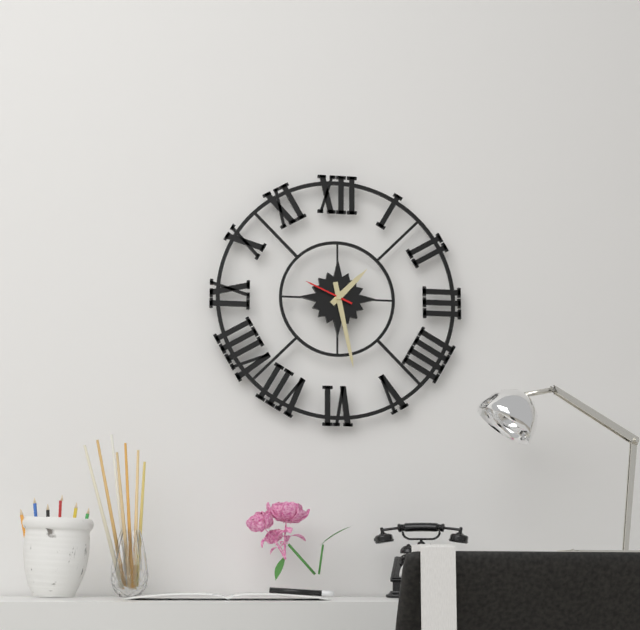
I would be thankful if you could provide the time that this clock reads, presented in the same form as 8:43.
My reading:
1:28
